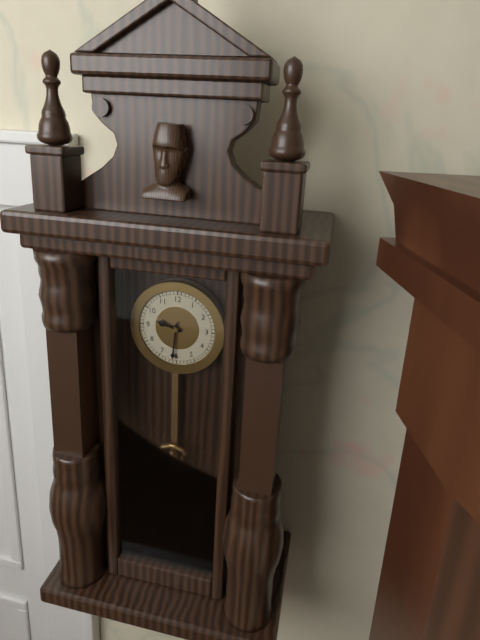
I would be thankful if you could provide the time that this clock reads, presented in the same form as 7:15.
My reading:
9:31
